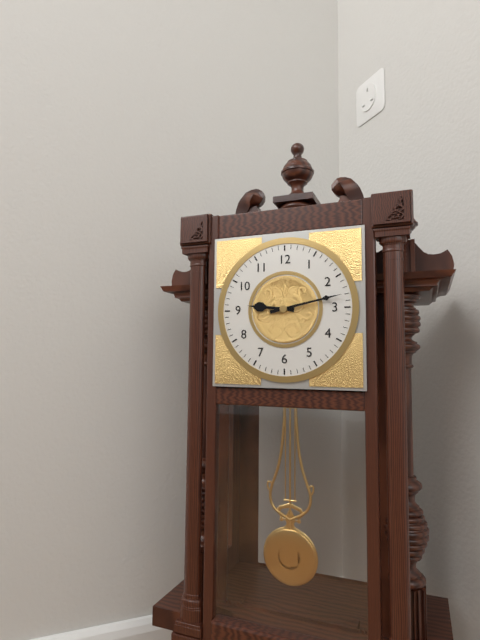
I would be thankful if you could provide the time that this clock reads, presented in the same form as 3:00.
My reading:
9:13
